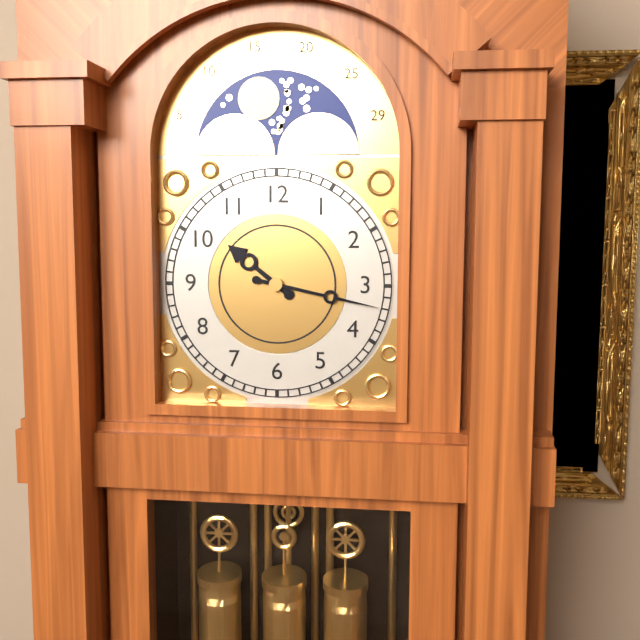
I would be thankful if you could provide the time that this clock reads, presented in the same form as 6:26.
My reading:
10:17
